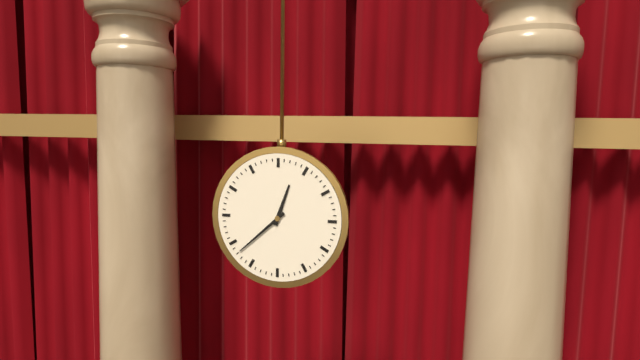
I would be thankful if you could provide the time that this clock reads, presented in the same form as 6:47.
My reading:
12:38
